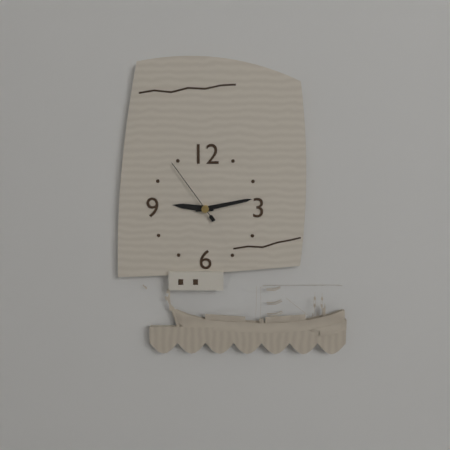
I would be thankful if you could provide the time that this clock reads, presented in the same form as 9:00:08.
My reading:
9:13:54
